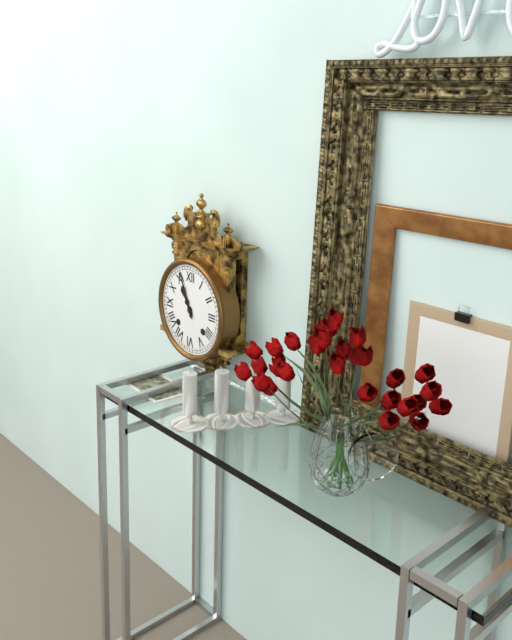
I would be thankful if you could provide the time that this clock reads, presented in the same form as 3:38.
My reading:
10:56
